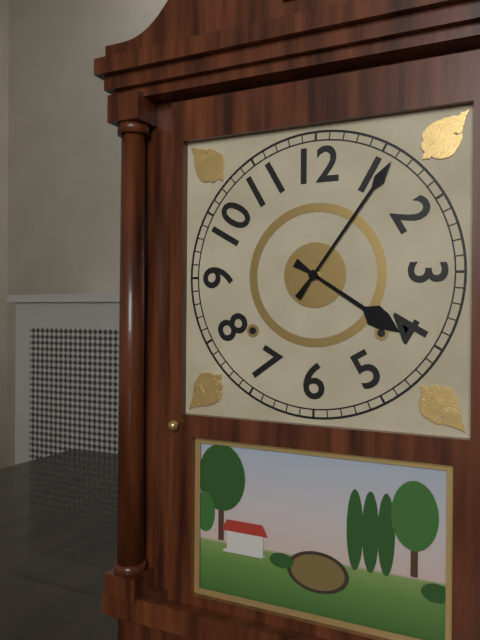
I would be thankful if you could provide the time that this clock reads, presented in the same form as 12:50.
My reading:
4:06
